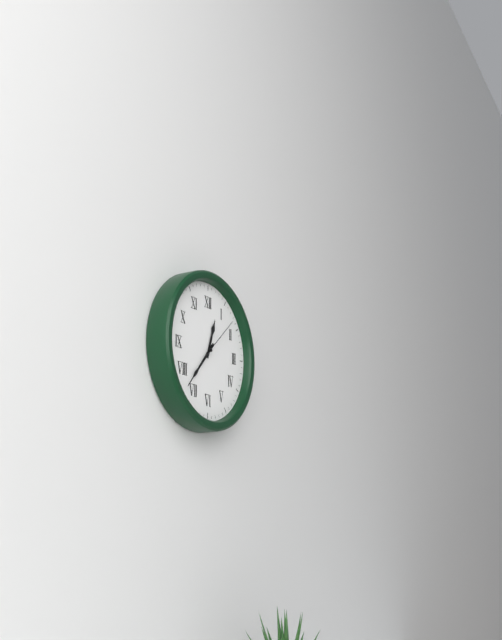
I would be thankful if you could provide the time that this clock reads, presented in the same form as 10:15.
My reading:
12:37
